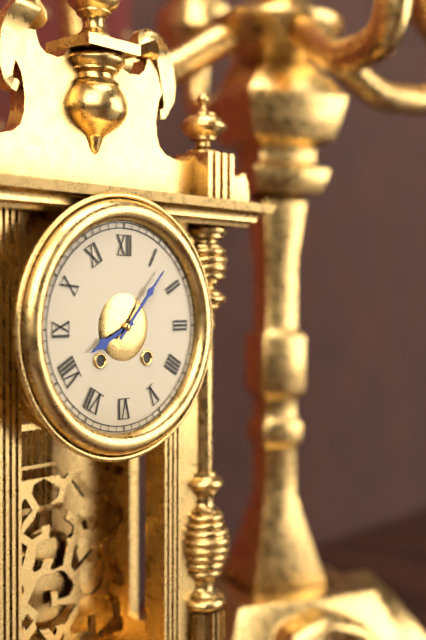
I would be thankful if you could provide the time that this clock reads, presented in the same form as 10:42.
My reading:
8:07
